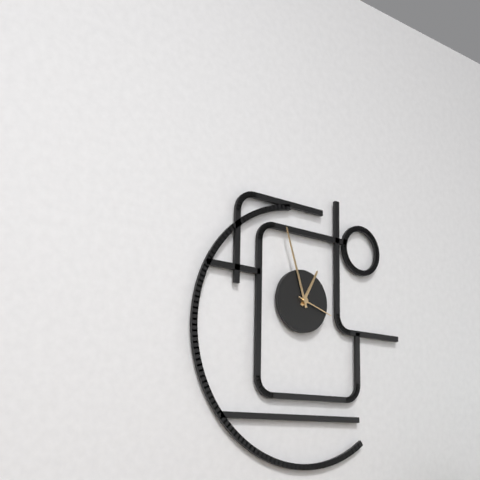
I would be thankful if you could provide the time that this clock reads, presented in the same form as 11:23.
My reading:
12:57
